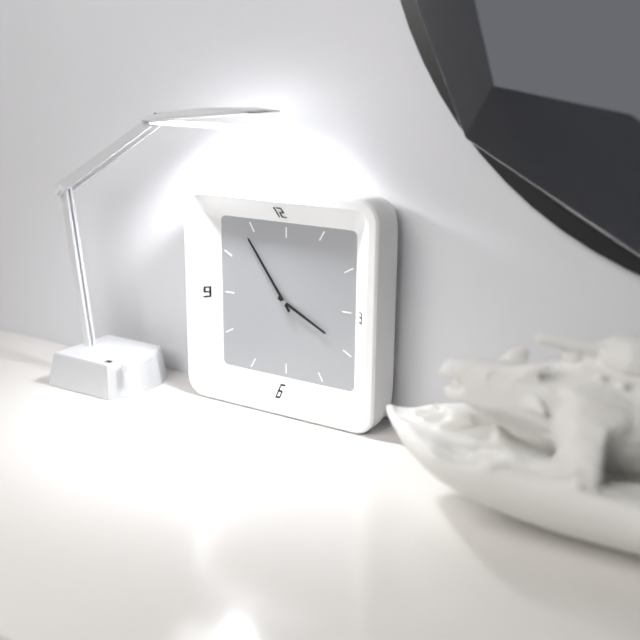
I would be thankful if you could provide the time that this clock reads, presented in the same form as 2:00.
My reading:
3:54
